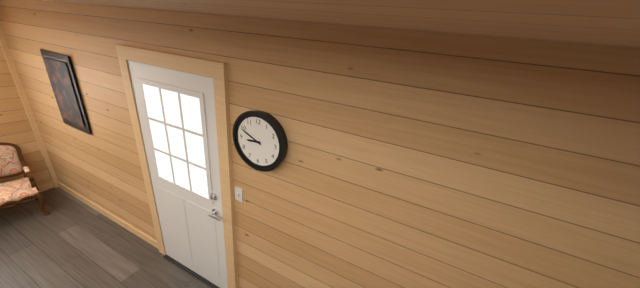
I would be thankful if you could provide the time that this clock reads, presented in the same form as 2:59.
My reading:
8:49
